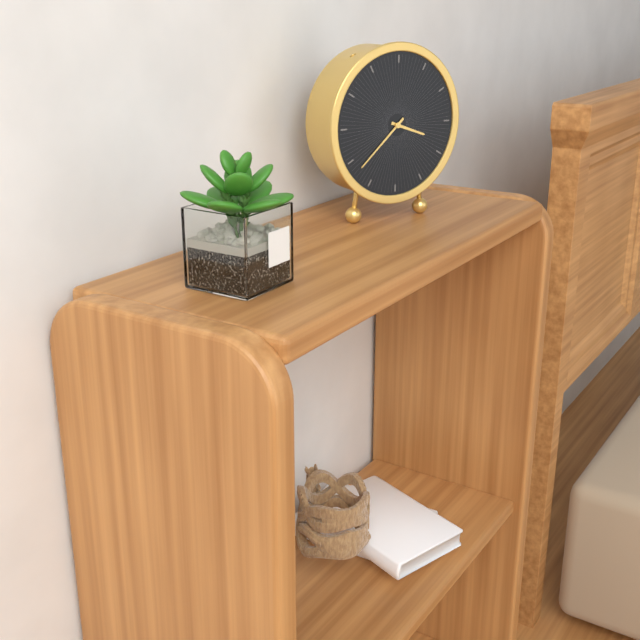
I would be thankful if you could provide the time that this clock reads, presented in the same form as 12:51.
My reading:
3:38
